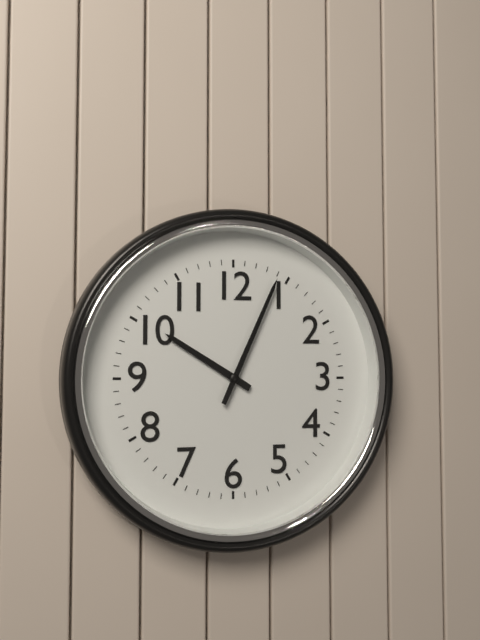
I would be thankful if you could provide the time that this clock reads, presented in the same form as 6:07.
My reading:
10:04
